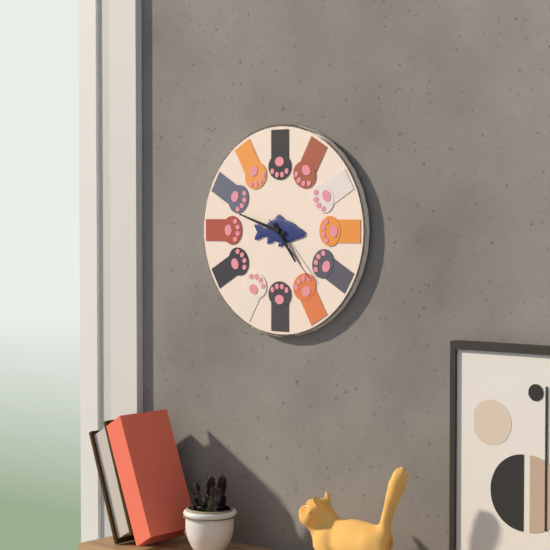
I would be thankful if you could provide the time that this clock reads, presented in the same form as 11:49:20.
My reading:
4:48:23
